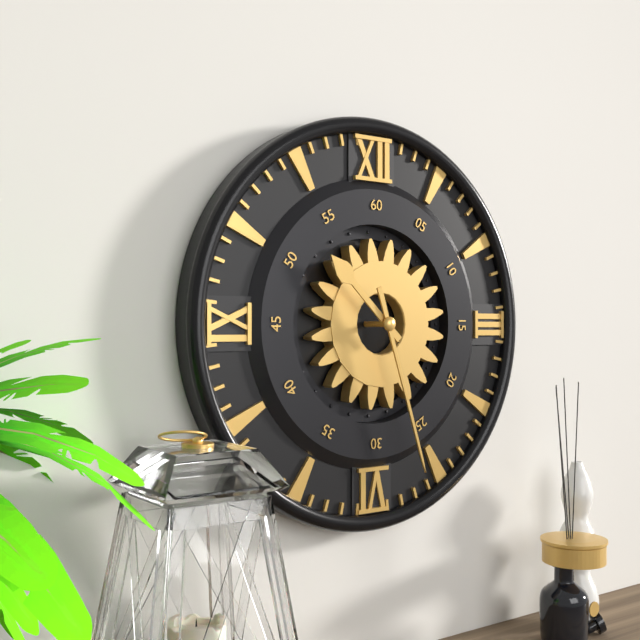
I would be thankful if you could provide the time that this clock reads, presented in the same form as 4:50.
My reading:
10:27
